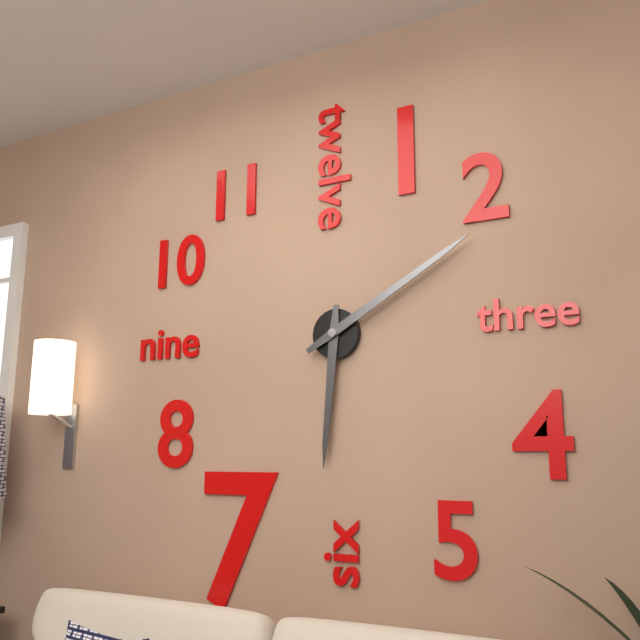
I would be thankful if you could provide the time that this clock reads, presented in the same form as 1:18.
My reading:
6:10
